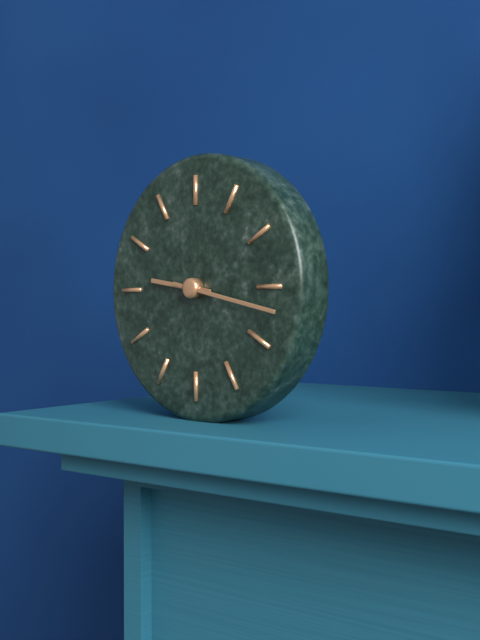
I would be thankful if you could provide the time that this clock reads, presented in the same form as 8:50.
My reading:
9:17
